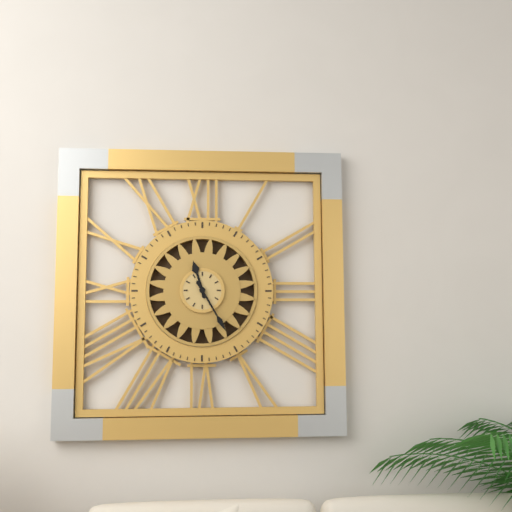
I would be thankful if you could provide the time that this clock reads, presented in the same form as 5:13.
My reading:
11:25
